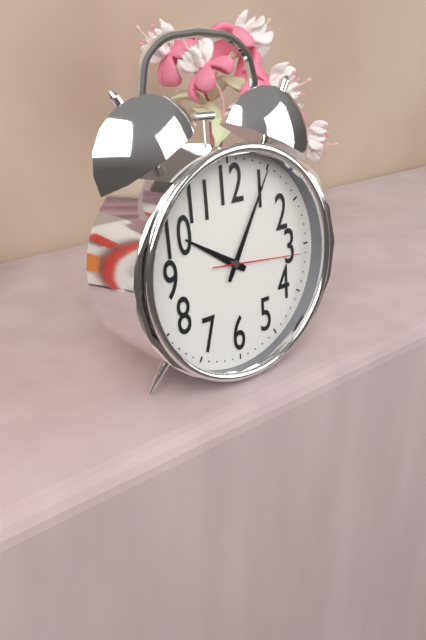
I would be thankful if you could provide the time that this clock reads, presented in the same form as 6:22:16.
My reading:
10:05:16
